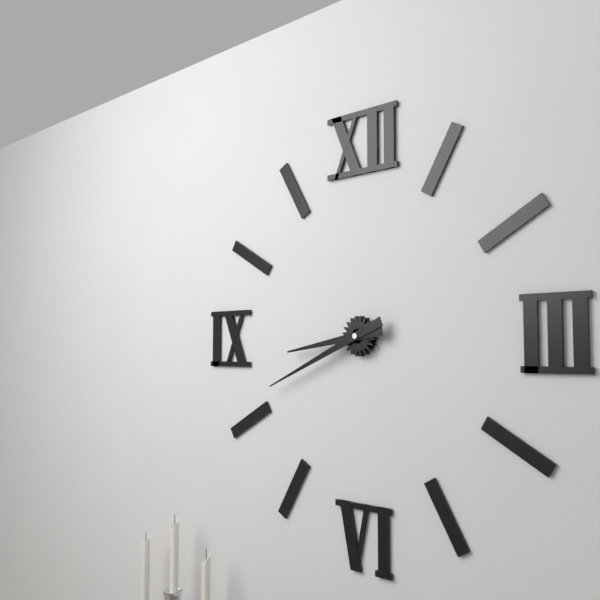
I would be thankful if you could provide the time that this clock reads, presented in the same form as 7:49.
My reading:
8:41
